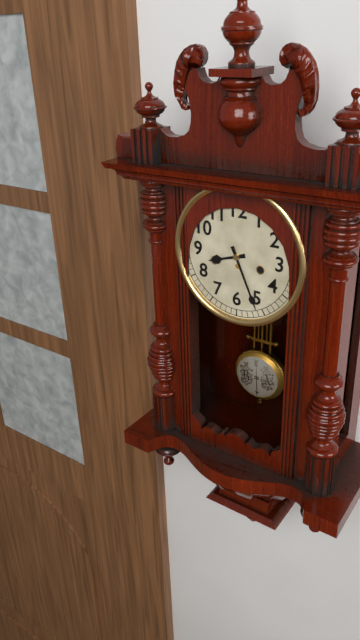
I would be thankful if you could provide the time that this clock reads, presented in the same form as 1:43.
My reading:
8:26
